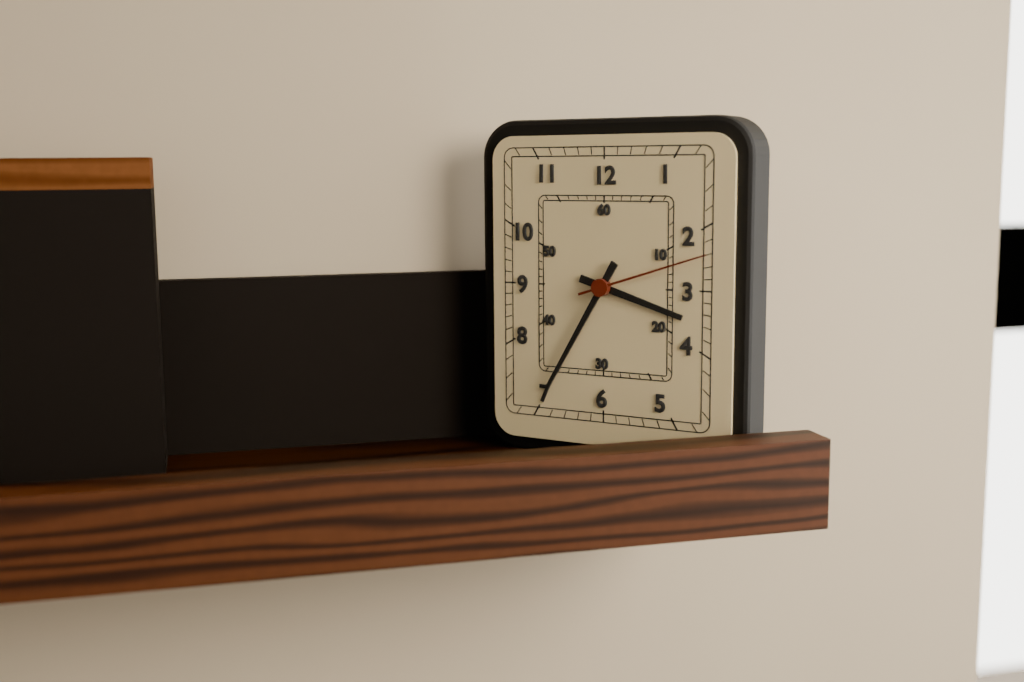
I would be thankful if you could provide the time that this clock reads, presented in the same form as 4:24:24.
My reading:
3:35:12
